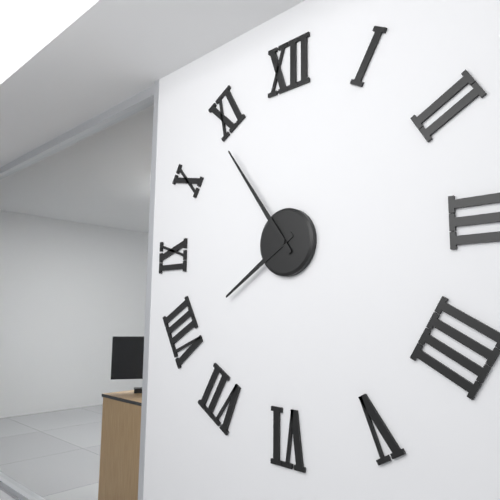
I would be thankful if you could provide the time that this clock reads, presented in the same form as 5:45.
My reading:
7:54
